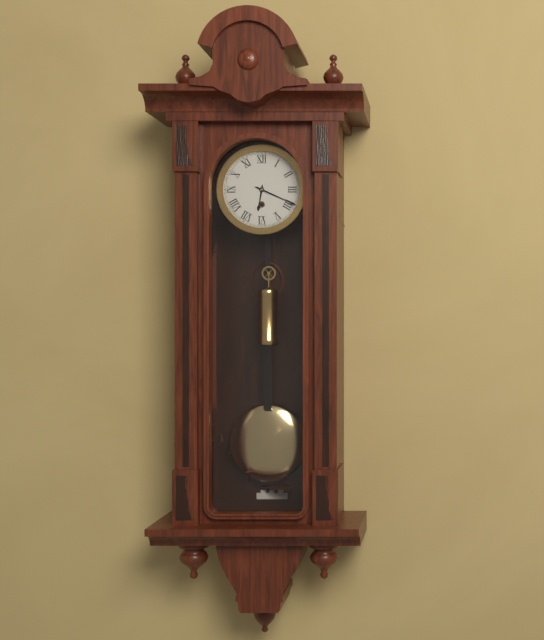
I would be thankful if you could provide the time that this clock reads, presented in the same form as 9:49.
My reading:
6:19
